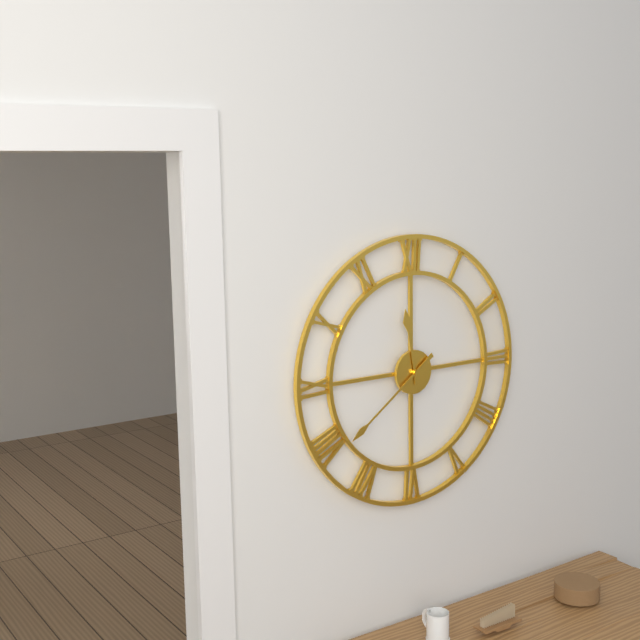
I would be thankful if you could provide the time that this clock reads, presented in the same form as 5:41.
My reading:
11:39
